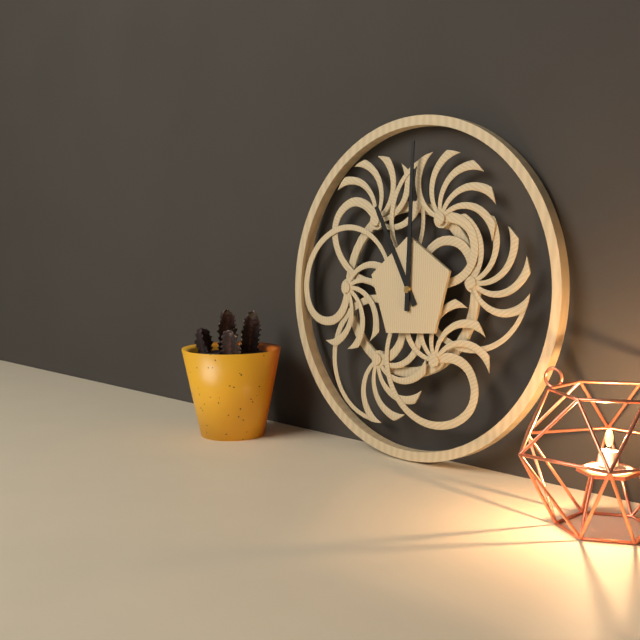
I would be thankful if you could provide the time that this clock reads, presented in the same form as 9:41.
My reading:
11:00
